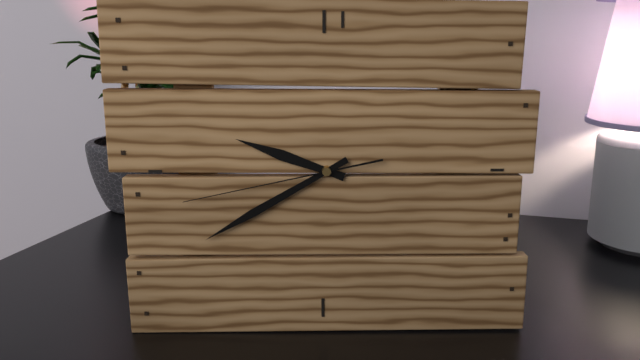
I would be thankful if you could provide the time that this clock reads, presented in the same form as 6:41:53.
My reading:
9:40:43
